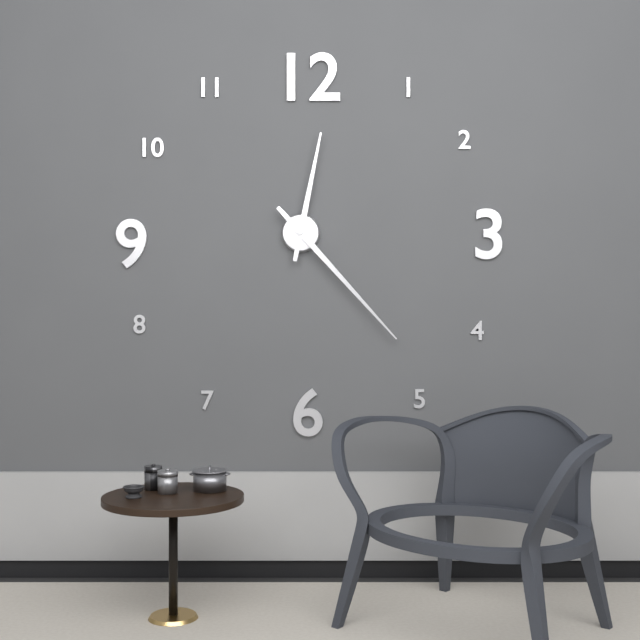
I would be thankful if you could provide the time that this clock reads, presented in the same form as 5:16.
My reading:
12:23
